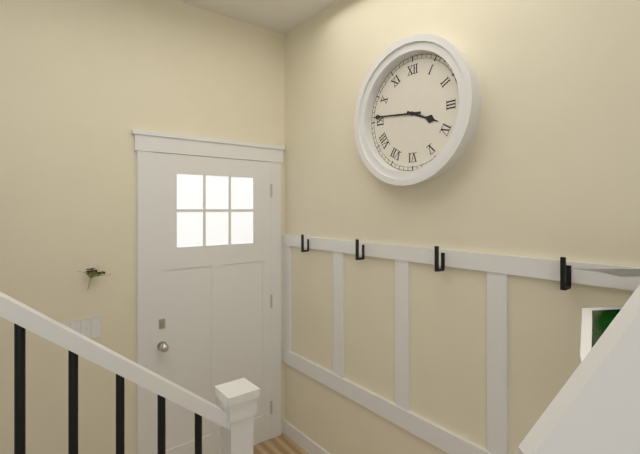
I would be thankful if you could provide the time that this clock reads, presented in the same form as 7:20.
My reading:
3:46
